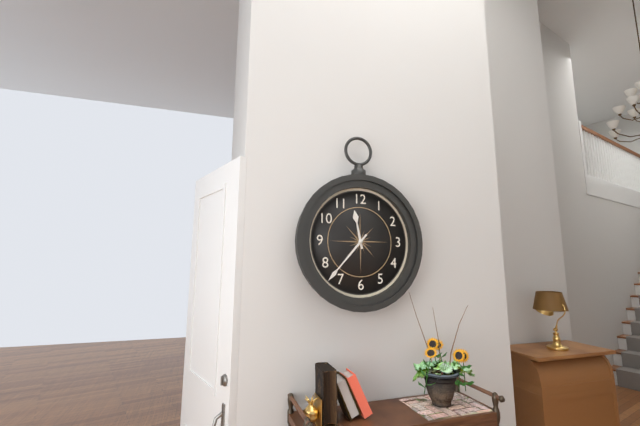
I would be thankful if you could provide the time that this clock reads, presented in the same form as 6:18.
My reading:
11:37
